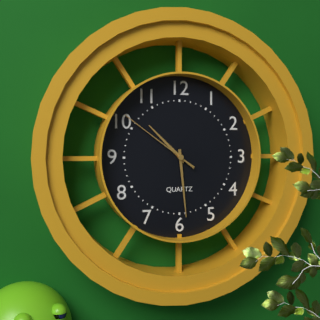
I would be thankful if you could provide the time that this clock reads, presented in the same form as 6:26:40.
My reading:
10:29:51
